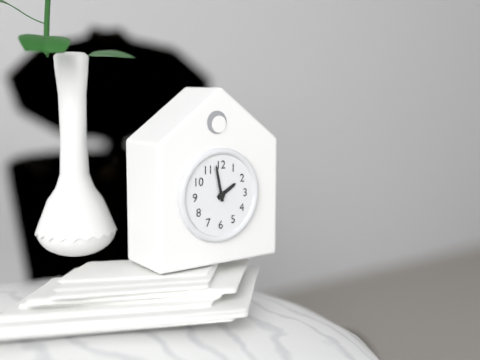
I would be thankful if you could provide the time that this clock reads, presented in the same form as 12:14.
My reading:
1:58
